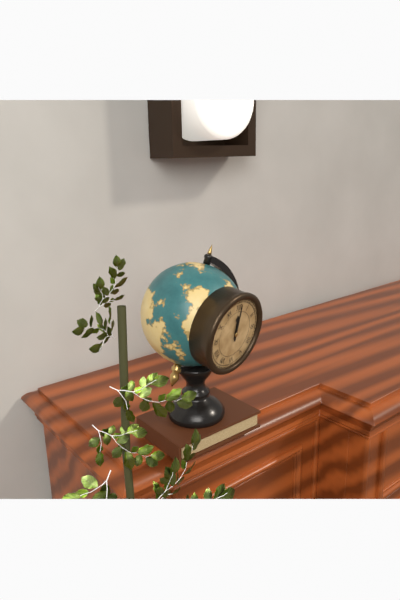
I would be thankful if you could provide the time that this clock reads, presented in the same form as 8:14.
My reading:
12:01
